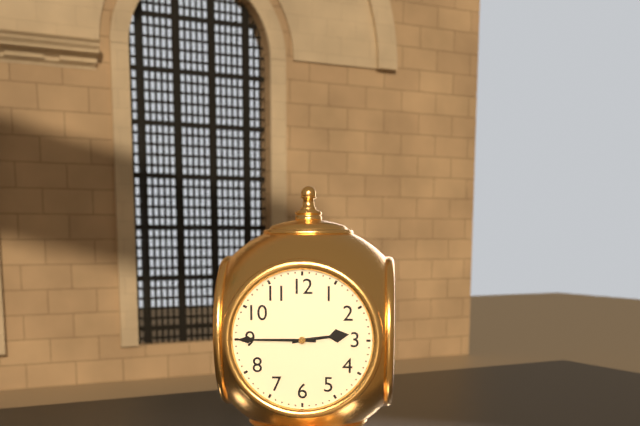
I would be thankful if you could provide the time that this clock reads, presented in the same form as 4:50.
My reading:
2:45
